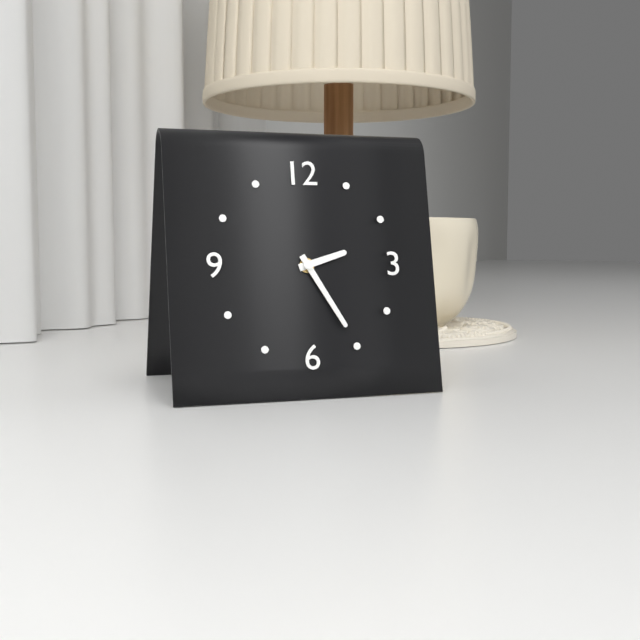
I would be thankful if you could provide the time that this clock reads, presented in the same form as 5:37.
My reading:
2:25
